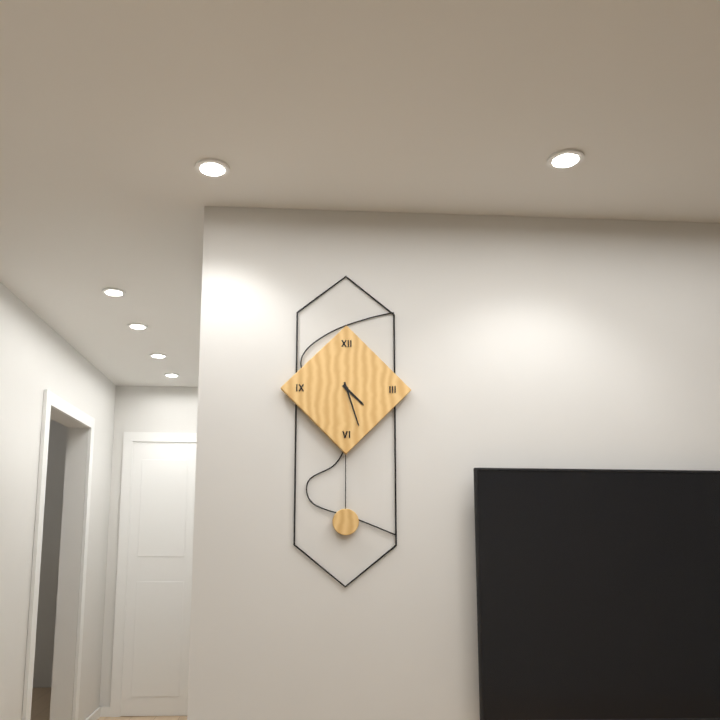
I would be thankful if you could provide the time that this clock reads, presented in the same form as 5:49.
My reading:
4:27
